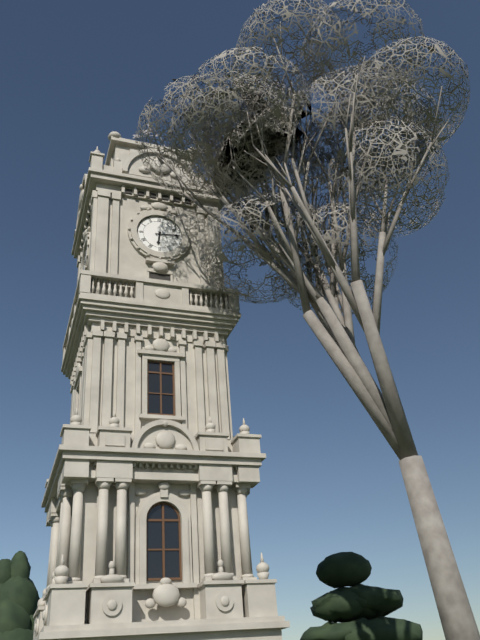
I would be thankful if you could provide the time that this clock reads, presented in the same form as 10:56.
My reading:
6:14
